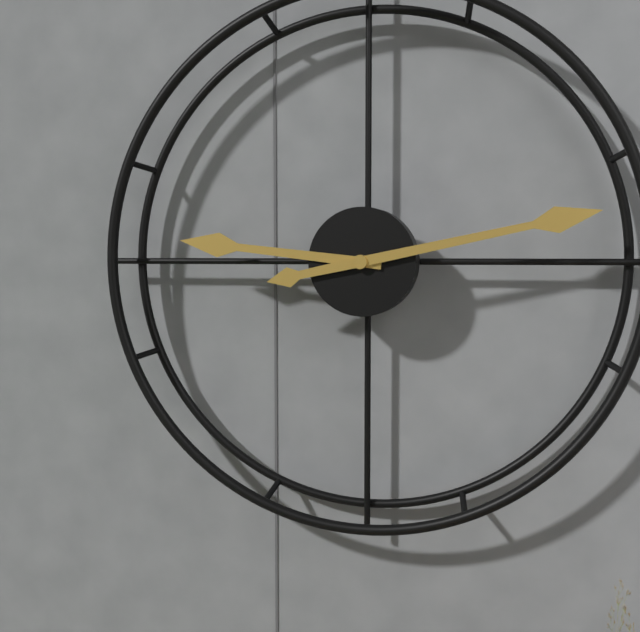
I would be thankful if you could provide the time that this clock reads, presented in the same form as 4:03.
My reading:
9:13
